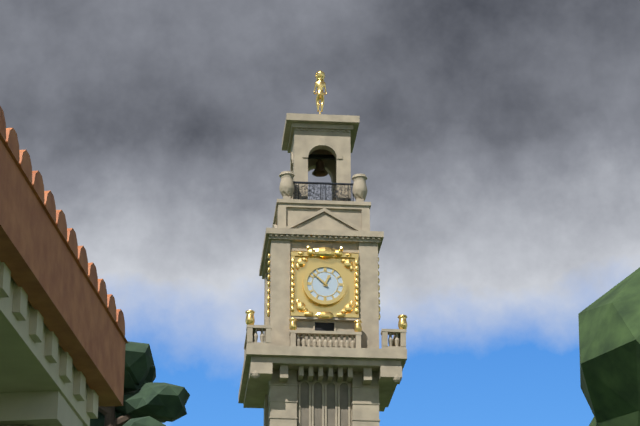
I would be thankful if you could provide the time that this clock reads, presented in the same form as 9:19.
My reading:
12:52
